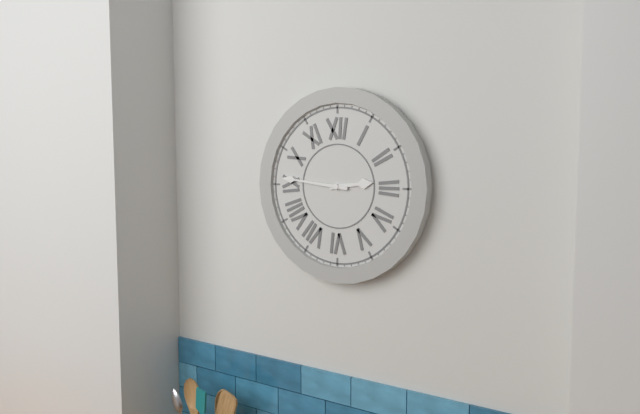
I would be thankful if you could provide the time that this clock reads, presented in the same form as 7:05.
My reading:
2:46
